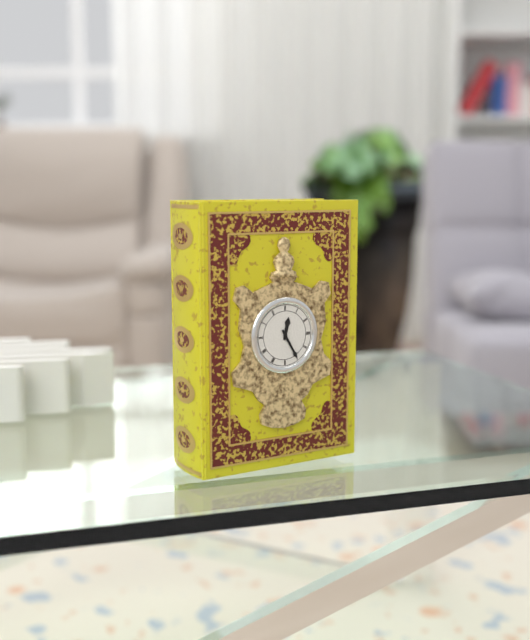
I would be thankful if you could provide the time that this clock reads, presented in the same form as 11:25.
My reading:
12:25
